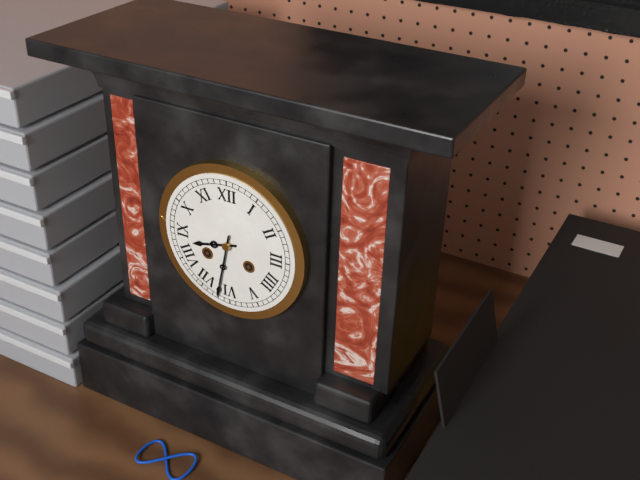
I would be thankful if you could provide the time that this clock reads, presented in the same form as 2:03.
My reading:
8:32
